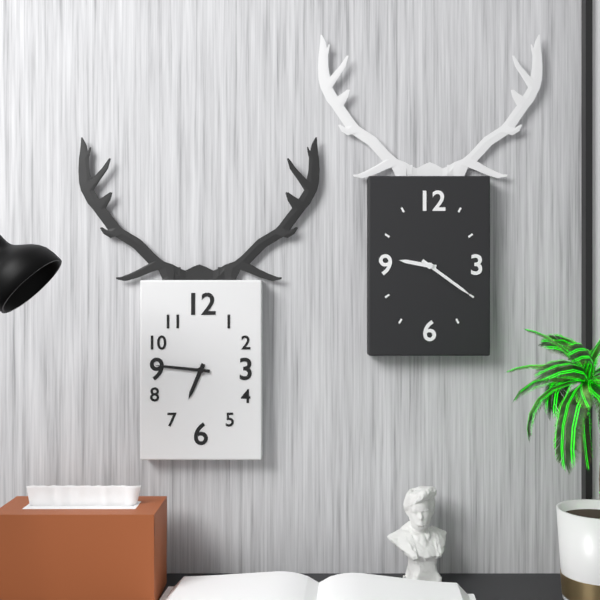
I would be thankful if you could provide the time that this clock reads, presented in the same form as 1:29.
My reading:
6:46
